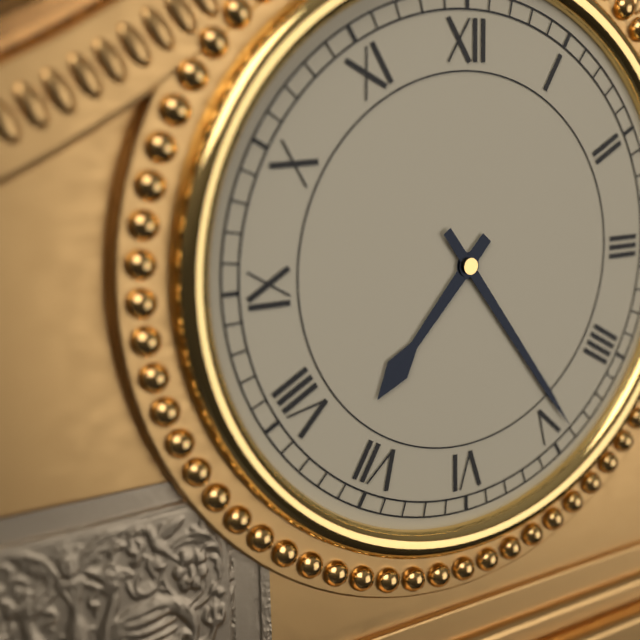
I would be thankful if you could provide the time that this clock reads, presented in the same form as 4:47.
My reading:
7:24
